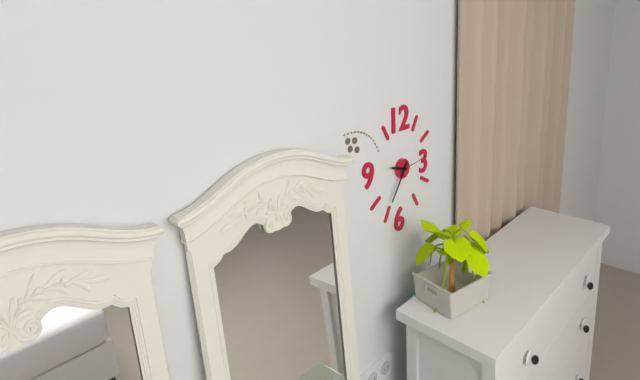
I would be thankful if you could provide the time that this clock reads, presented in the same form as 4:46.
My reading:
9:36
